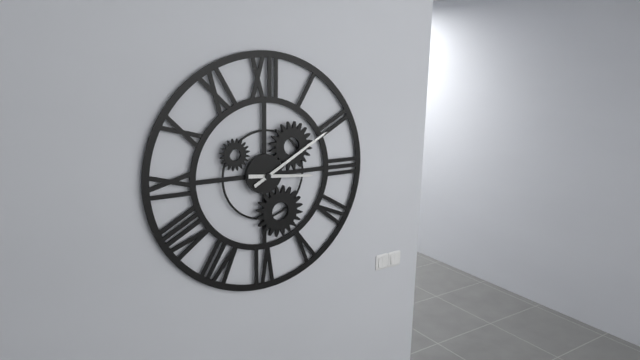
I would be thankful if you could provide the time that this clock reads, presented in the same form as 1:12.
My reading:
3:10
